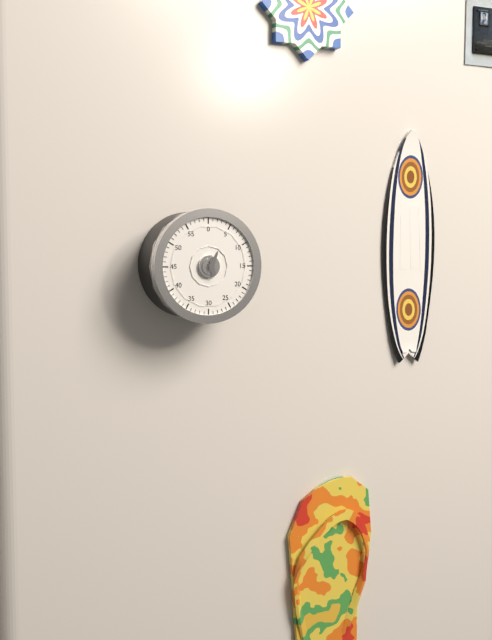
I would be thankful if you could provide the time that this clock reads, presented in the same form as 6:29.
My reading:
5:04
